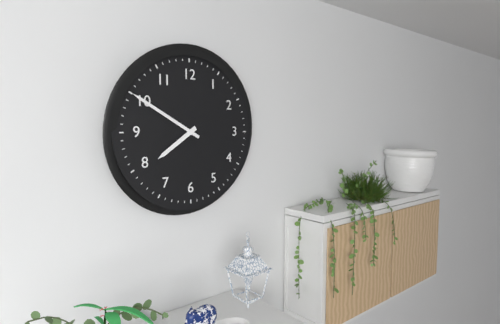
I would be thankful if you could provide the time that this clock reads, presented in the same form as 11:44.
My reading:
7:50
